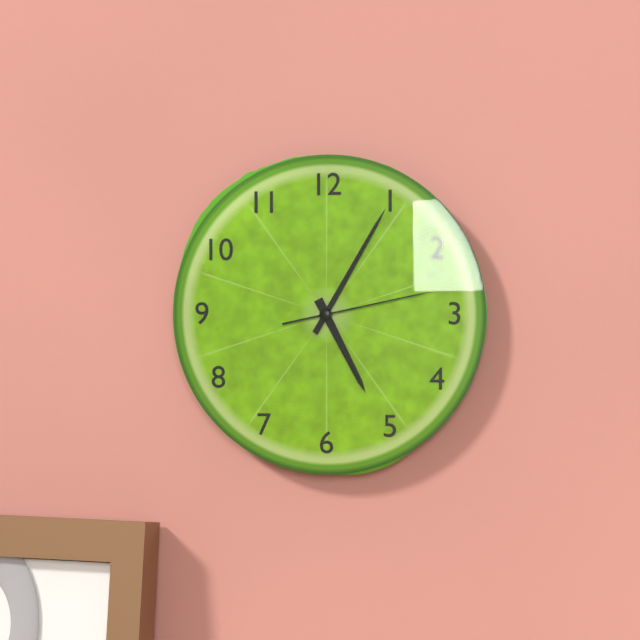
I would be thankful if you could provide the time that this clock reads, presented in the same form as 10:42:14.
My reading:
5:05:13
